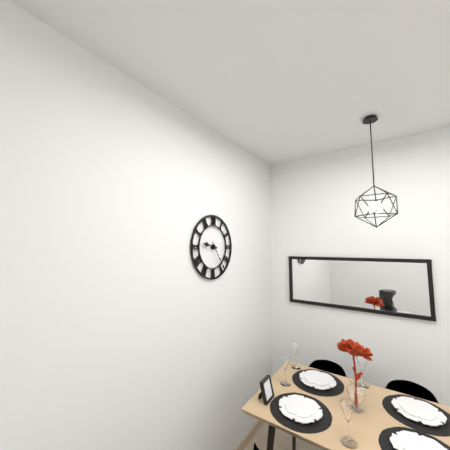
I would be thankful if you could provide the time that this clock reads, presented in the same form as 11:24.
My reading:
9:24
